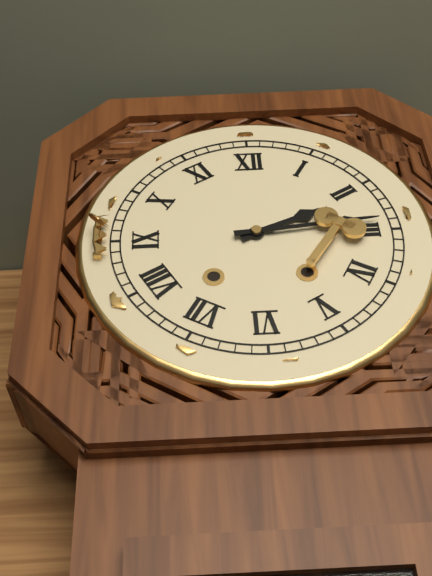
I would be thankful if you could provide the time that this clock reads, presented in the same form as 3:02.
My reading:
2:14
